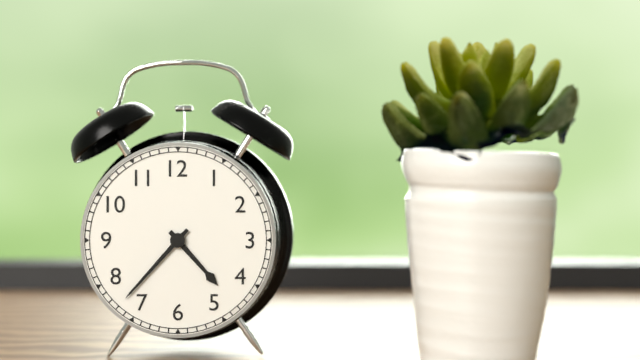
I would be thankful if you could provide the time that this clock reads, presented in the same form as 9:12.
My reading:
4:37
